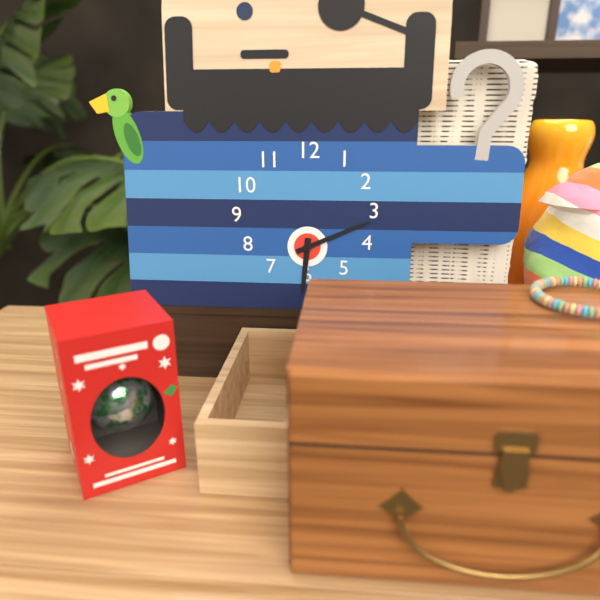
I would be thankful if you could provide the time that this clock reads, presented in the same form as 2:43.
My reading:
6:11
